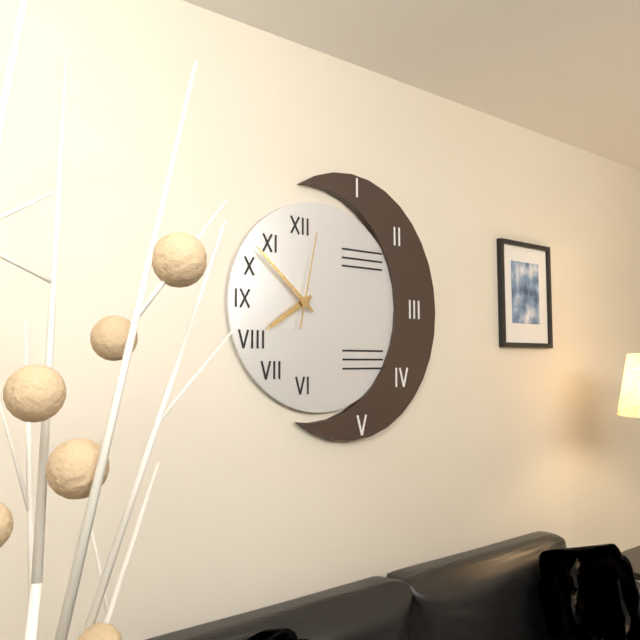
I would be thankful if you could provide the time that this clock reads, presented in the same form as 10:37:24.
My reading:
7:52:02
